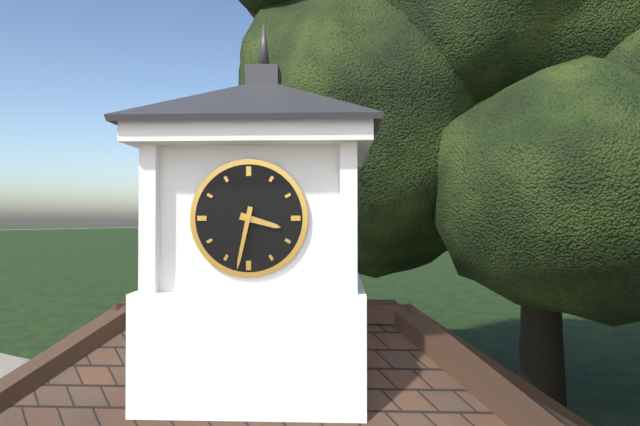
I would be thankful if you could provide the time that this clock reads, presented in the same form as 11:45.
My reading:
3:32
